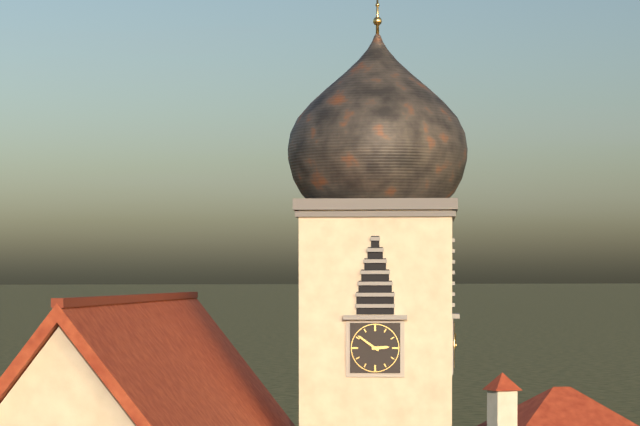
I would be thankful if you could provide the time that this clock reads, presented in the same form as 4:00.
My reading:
2:51
